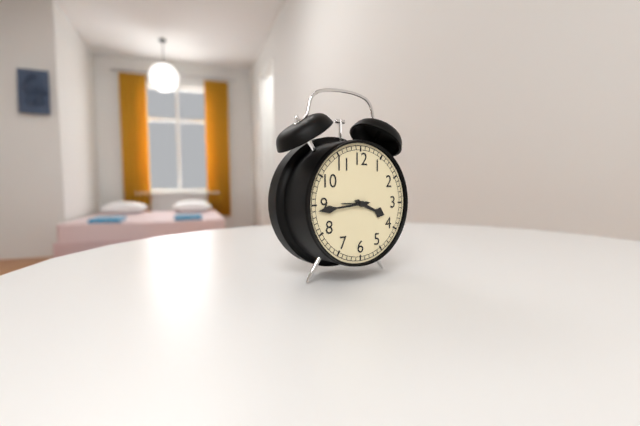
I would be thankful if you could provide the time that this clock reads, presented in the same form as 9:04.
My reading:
3:44
